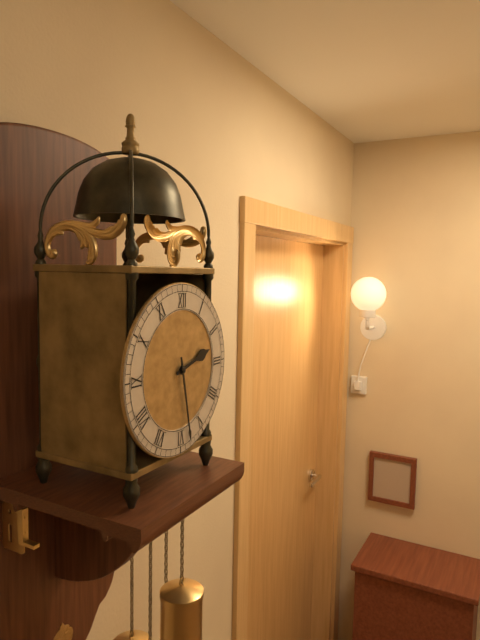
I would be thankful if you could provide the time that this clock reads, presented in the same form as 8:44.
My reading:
2:28
